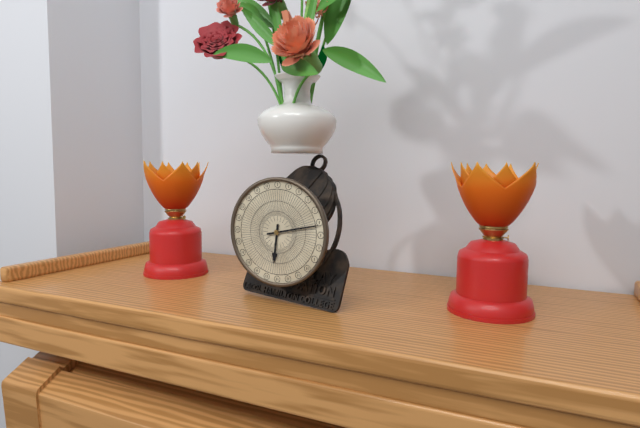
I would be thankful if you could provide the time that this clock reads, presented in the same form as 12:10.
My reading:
6:13
